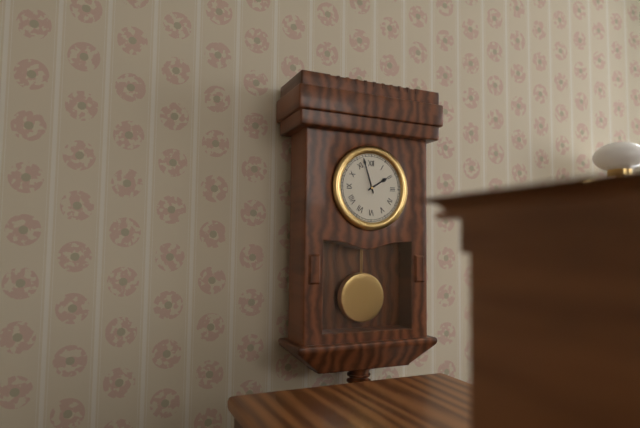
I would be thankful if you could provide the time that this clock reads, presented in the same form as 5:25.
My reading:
1:57
